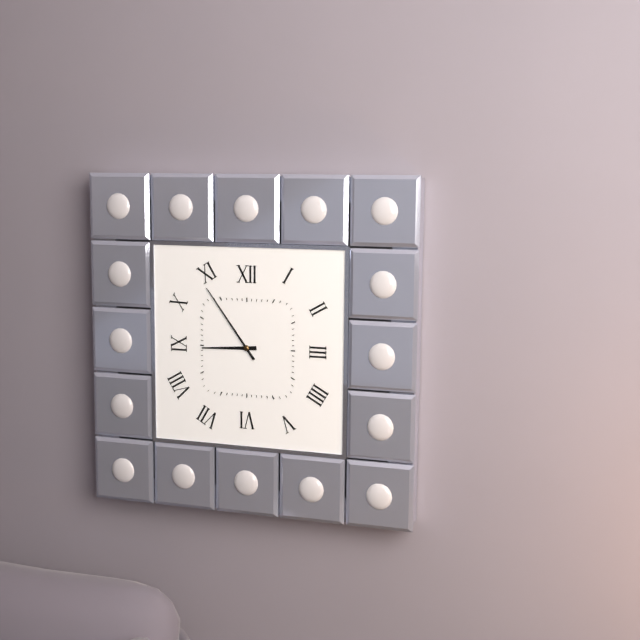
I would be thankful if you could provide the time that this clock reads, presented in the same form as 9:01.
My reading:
8:54
